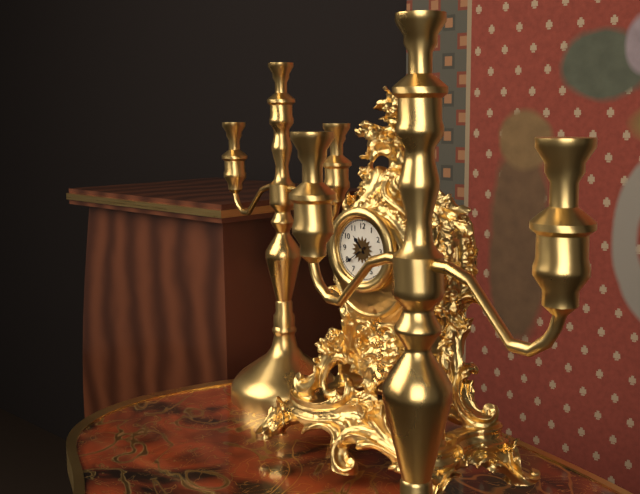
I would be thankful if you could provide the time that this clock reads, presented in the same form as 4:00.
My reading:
10:39
